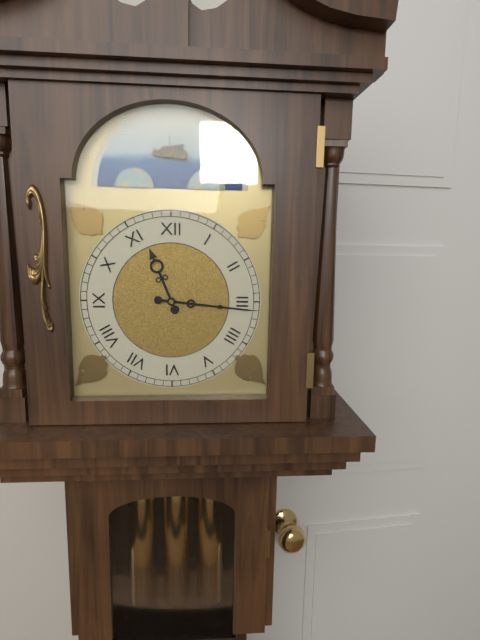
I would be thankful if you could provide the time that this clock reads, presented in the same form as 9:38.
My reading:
11:16
